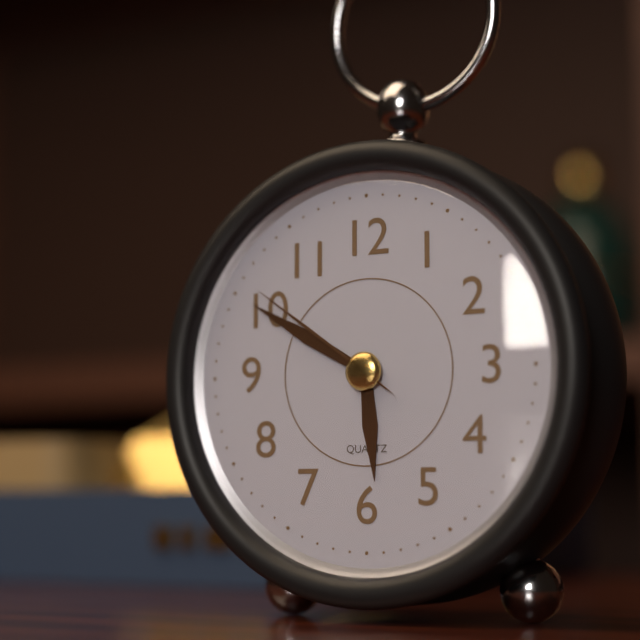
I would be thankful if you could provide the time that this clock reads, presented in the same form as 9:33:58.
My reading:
5:50:51
